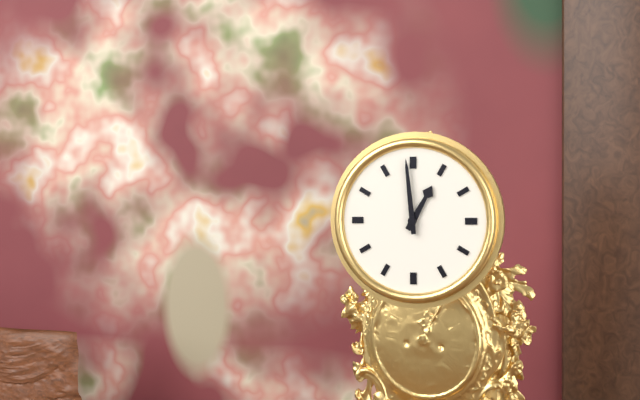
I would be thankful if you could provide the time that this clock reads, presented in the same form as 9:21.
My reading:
12:59
